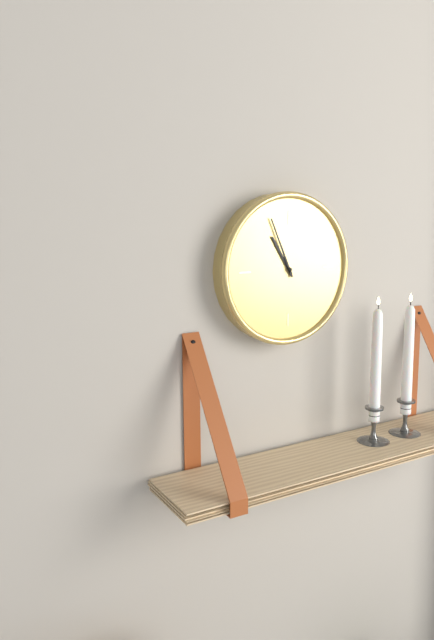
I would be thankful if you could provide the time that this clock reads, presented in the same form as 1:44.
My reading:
10:56
